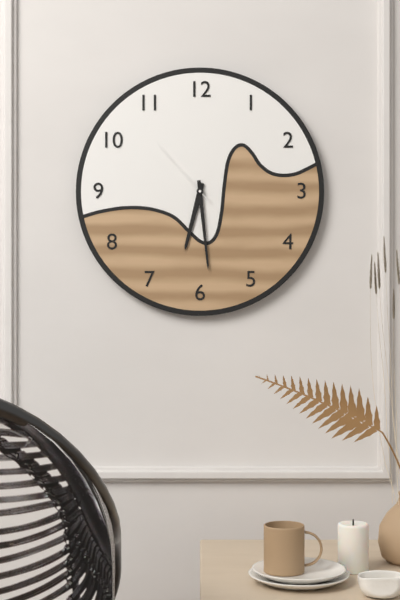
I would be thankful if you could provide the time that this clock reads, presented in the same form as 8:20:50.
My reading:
6:29:53
